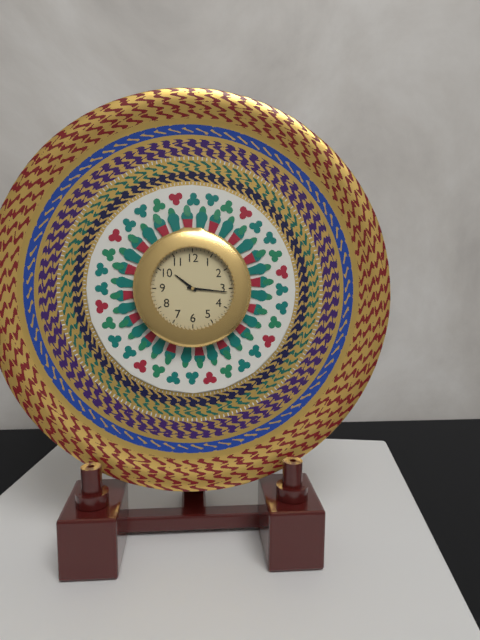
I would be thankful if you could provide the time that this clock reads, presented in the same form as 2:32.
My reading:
10:16
